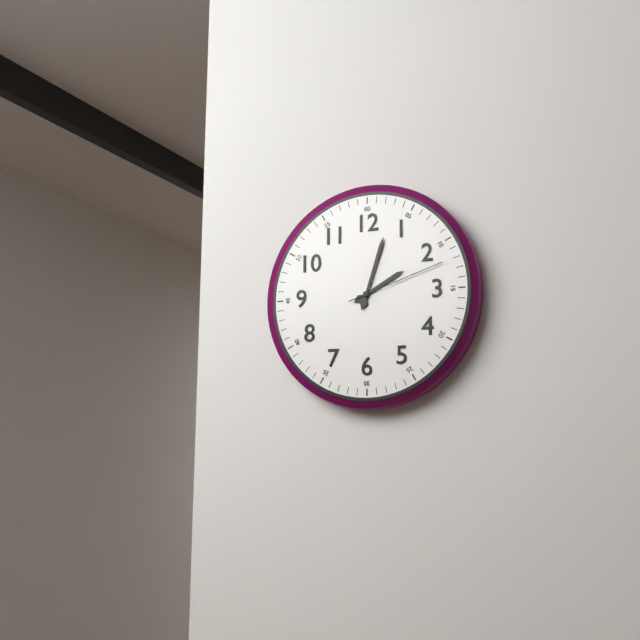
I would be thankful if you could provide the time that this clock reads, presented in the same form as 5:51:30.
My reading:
2:03:12
